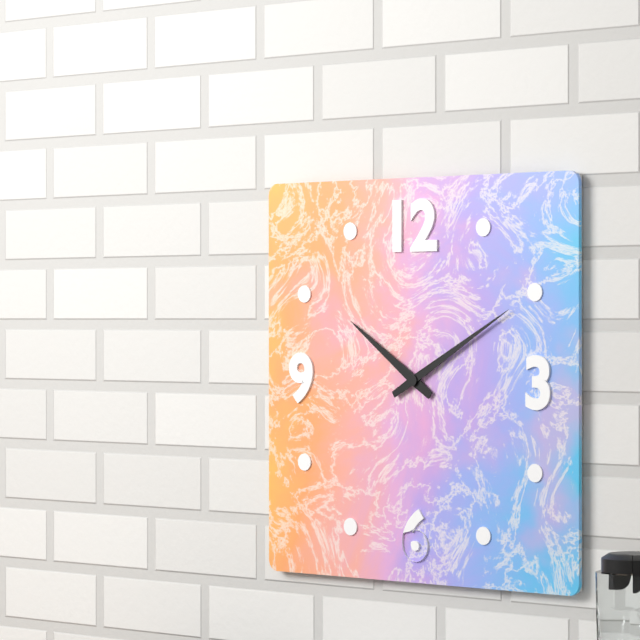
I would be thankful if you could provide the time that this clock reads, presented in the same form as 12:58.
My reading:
10:10
